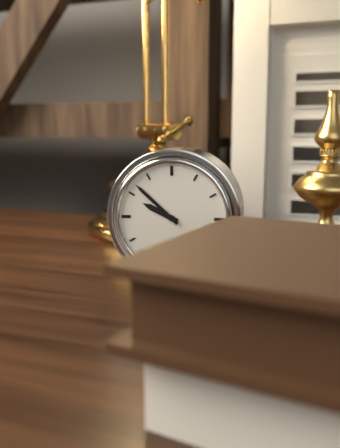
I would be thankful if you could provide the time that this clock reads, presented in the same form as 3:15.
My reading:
9:52
